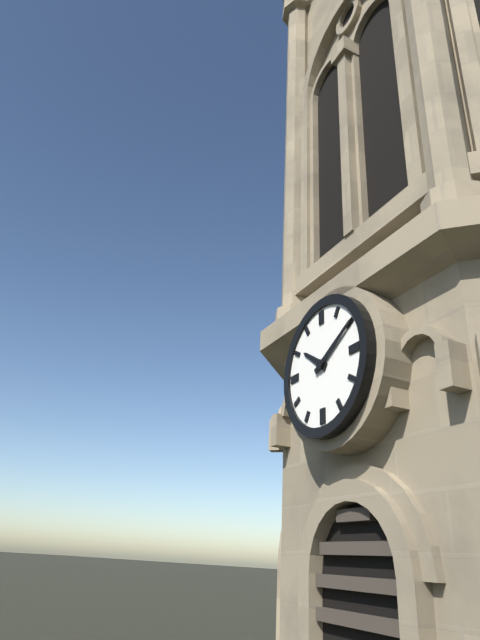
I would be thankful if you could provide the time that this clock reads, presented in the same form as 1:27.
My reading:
10:10
